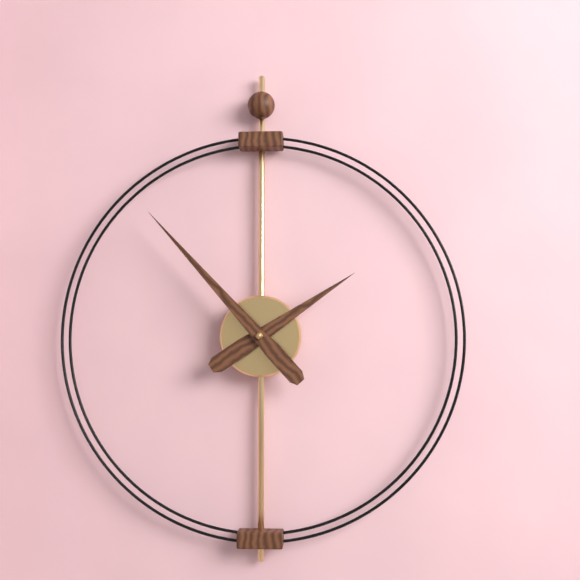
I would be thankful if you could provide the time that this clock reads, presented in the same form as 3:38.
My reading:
1:53
